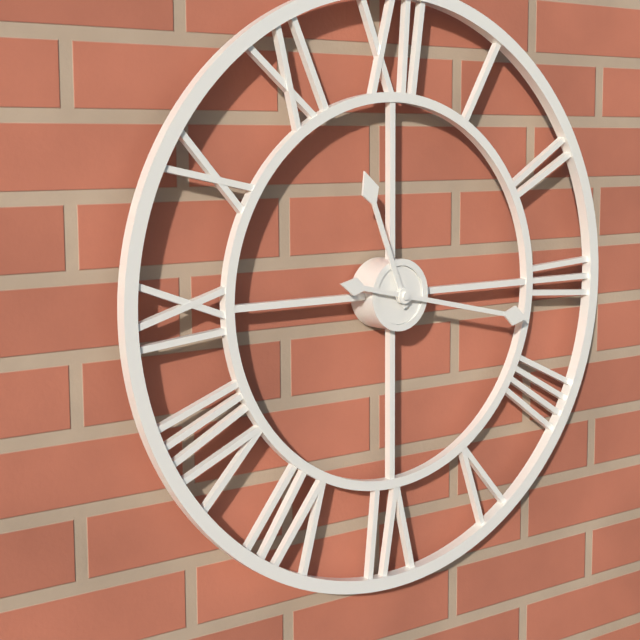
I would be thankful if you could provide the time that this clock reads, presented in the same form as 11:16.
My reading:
11:17
